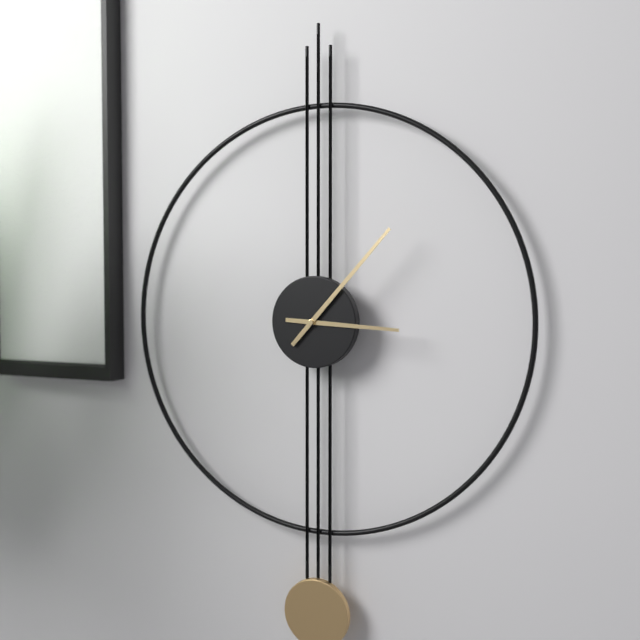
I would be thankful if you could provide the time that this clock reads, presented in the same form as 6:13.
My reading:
3:07
